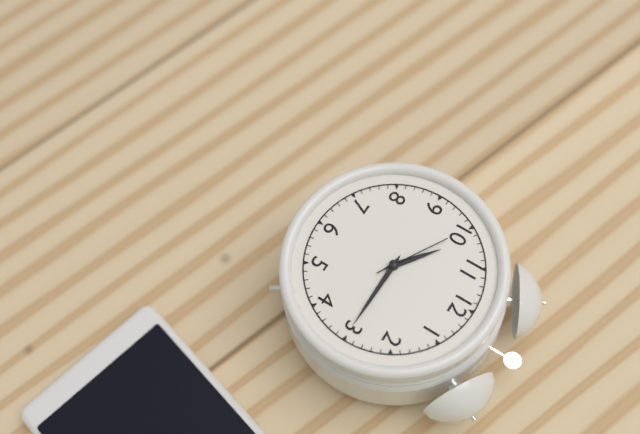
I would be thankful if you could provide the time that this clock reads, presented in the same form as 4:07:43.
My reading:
10:15:50
